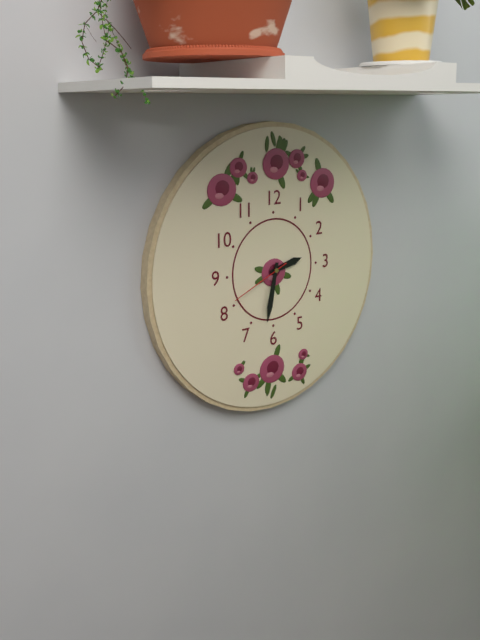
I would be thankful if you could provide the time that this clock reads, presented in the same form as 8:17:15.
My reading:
2:32:41
